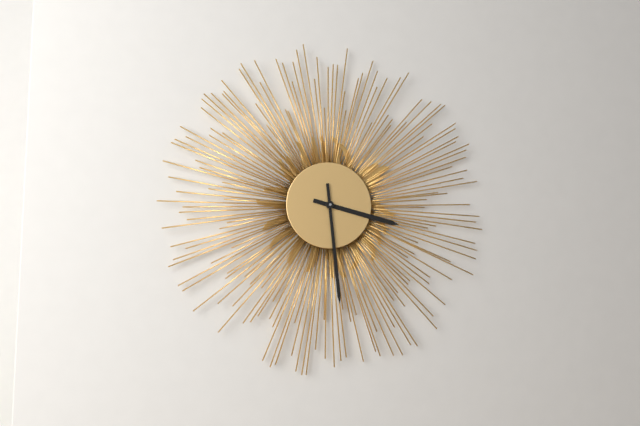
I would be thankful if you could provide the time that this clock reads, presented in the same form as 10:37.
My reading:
3:29
